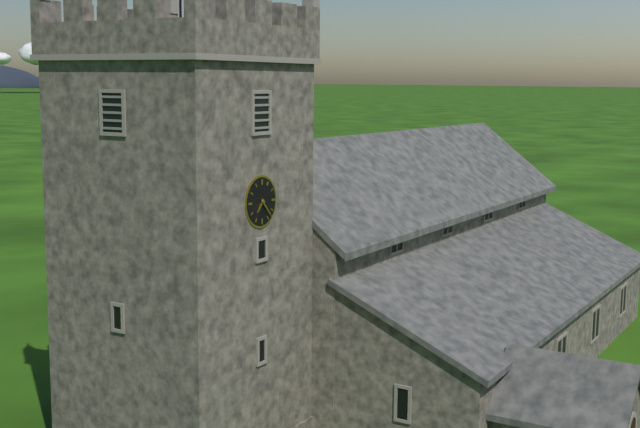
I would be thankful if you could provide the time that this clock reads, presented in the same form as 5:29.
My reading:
7:23
